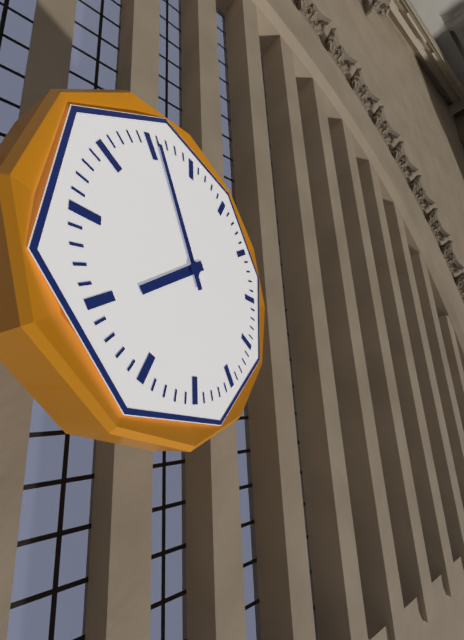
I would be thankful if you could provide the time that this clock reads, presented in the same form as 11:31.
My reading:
7:56
